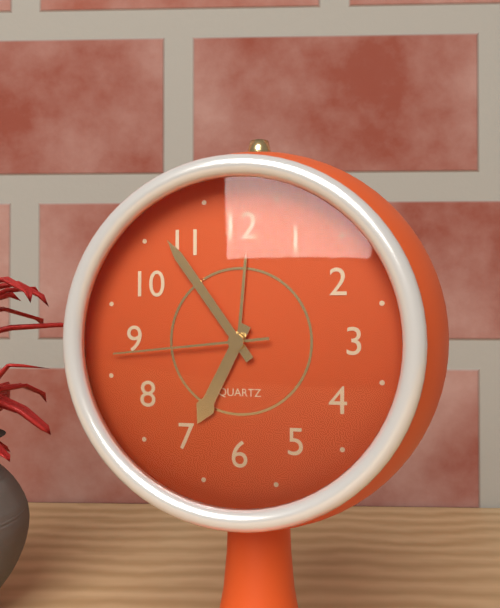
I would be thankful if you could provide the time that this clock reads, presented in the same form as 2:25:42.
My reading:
6:54:44
